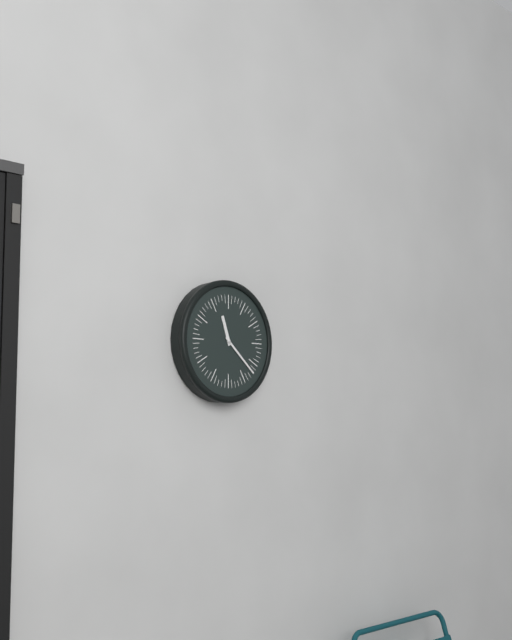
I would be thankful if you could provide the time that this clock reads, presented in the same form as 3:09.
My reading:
11:22
